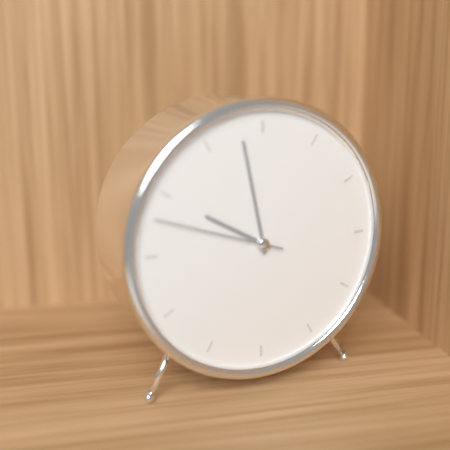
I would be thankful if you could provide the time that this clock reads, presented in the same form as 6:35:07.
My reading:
9:58:48
